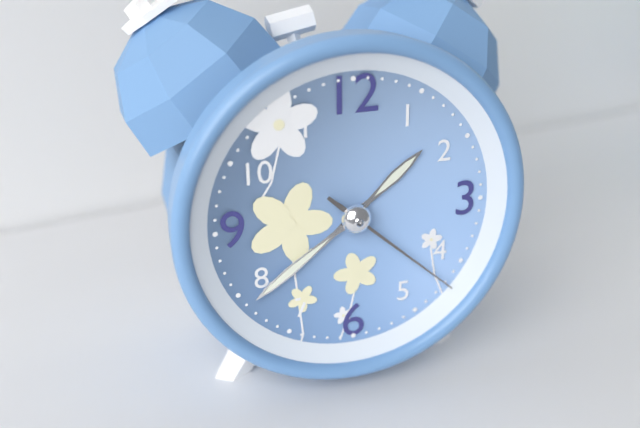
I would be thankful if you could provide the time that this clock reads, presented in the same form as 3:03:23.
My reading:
1:39:22
